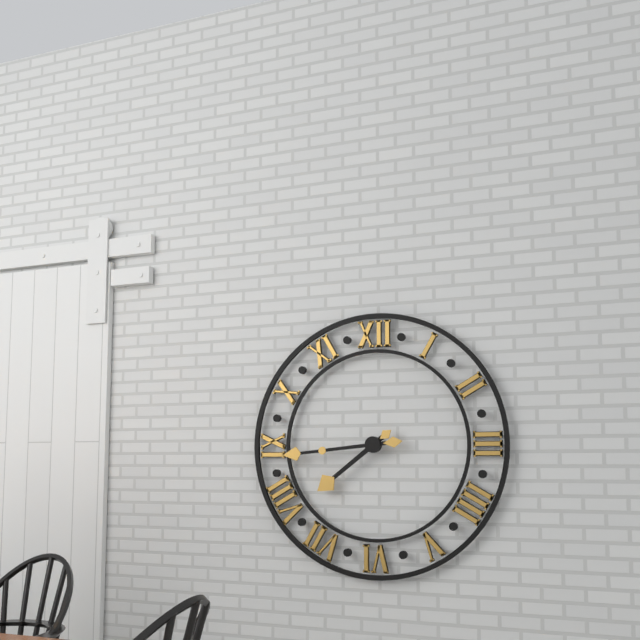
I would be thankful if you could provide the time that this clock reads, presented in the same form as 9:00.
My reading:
7:44
